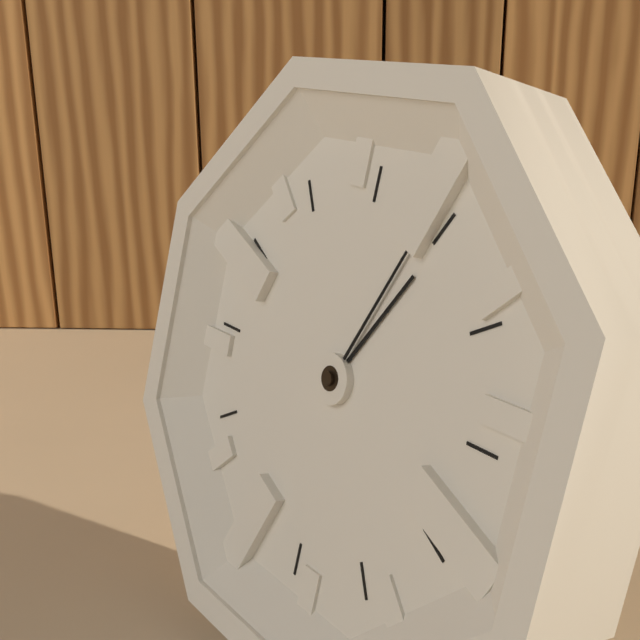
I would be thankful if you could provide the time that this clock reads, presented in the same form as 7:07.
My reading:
1:04
